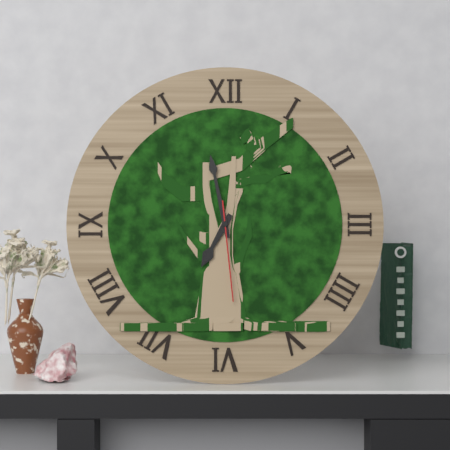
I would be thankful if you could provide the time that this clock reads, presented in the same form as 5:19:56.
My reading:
6:58:29
